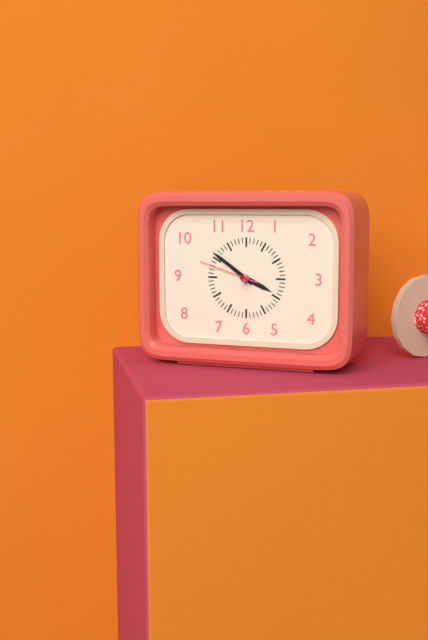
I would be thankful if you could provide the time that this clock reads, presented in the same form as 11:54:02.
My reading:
3:51:48
